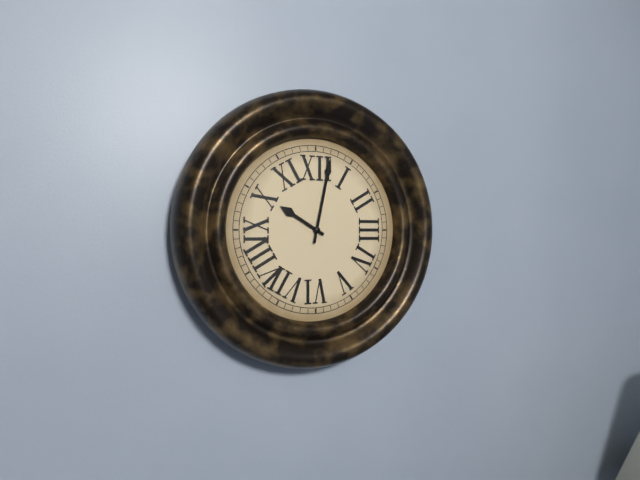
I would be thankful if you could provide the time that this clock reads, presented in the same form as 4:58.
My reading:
10:02
